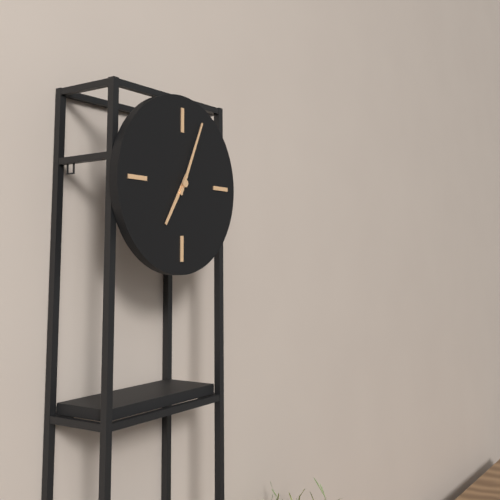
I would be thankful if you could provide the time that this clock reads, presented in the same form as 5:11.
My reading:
7:04
